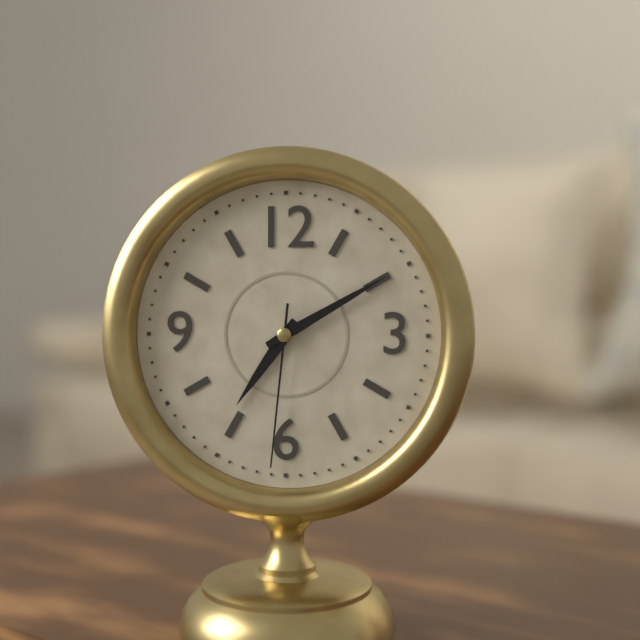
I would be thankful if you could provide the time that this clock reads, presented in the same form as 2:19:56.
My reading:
7:10:31
